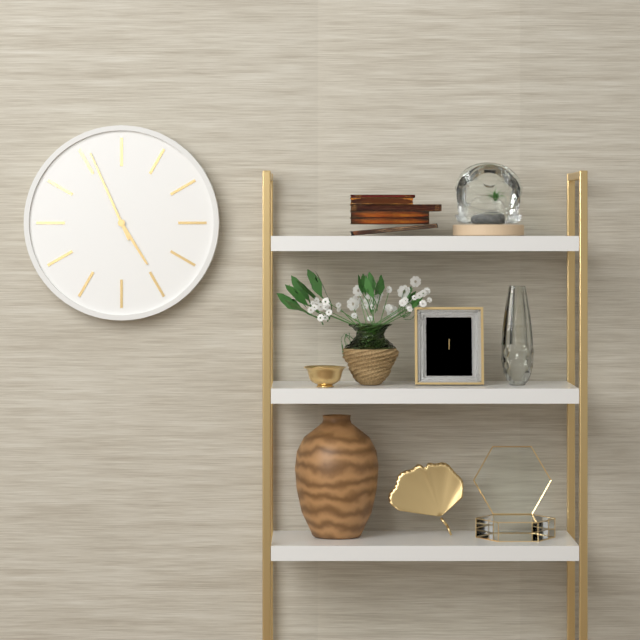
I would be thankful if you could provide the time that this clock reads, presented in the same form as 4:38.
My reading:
4:56
